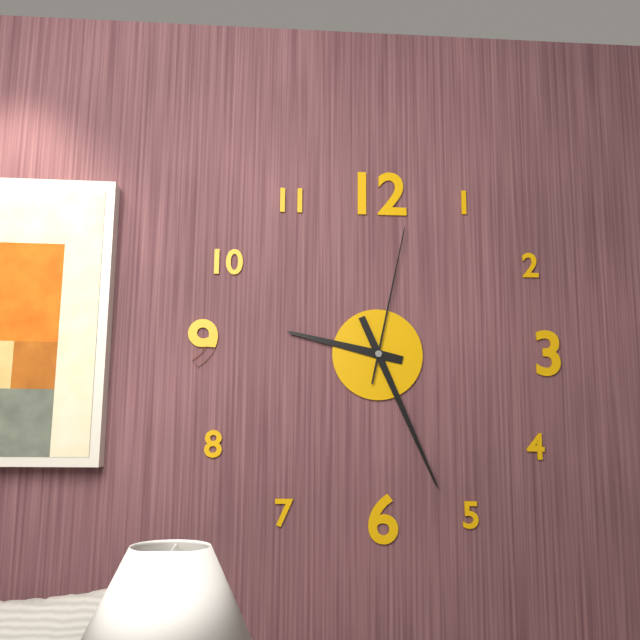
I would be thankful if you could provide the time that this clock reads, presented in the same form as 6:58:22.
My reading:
9:26:02
